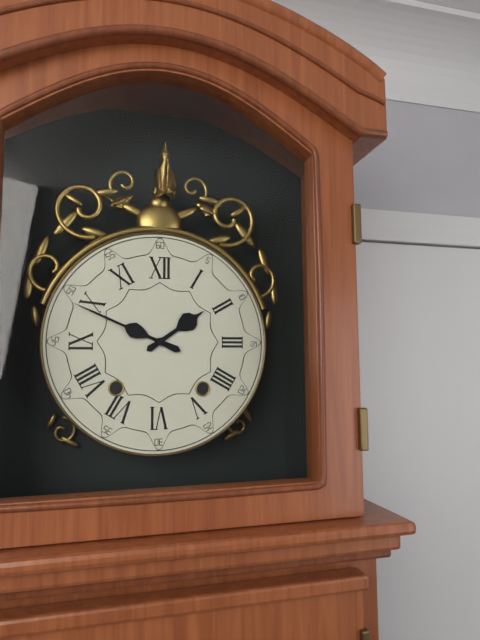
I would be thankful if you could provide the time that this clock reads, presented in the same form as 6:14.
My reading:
1:49
